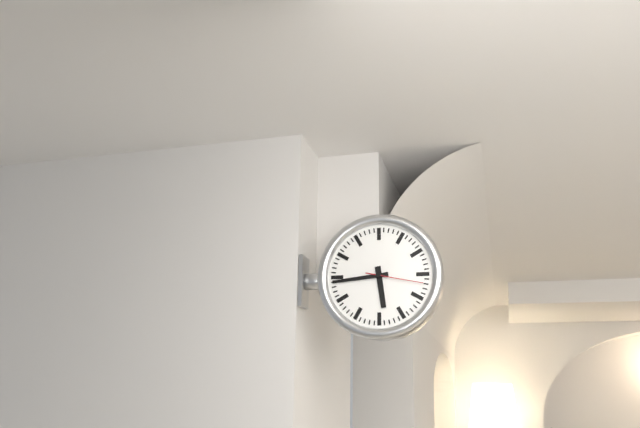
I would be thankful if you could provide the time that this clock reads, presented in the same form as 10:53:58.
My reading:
5:44:17
